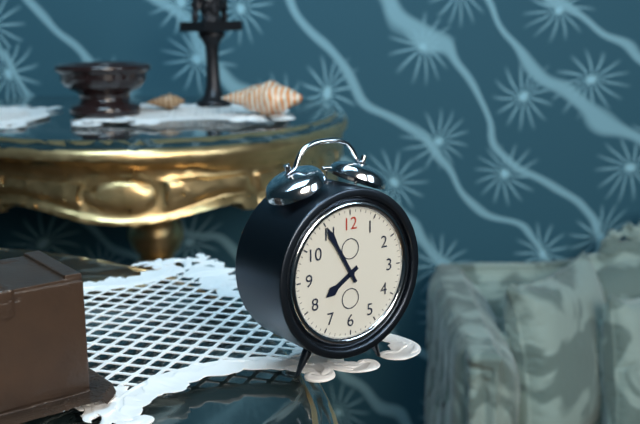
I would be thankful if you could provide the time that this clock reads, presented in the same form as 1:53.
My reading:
7:55
